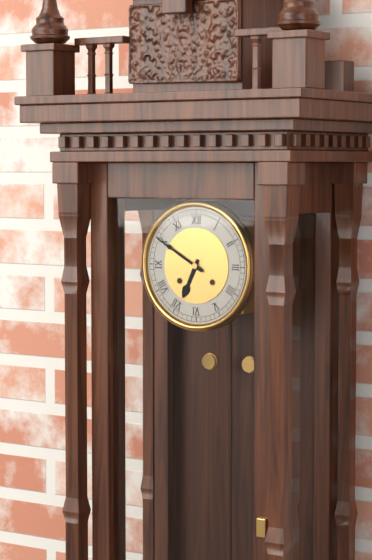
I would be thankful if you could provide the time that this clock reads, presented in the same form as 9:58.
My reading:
6:50
